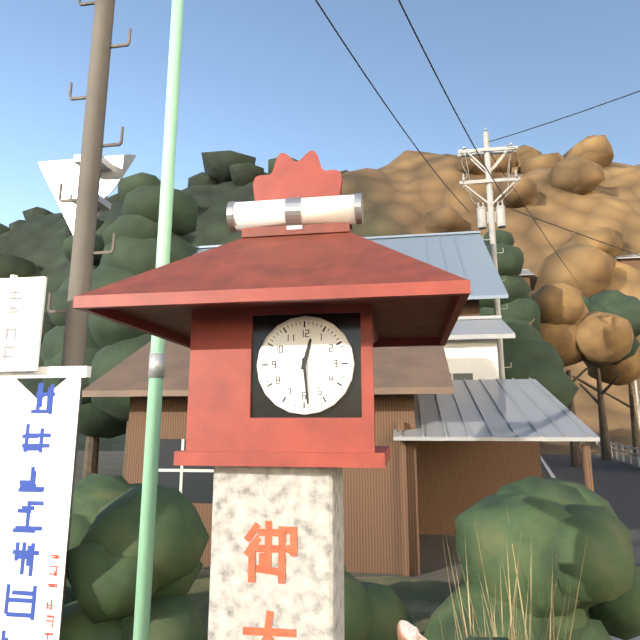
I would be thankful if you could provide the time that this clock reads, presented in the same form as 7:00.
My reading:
12:29
